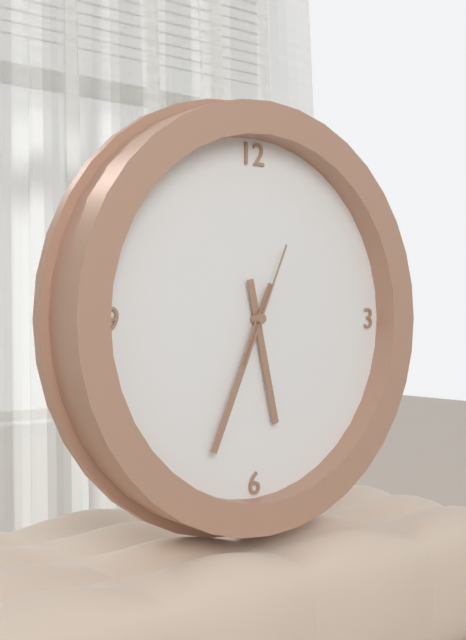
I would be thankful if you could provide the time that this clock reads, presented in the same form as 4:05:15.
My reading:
5:34:04
